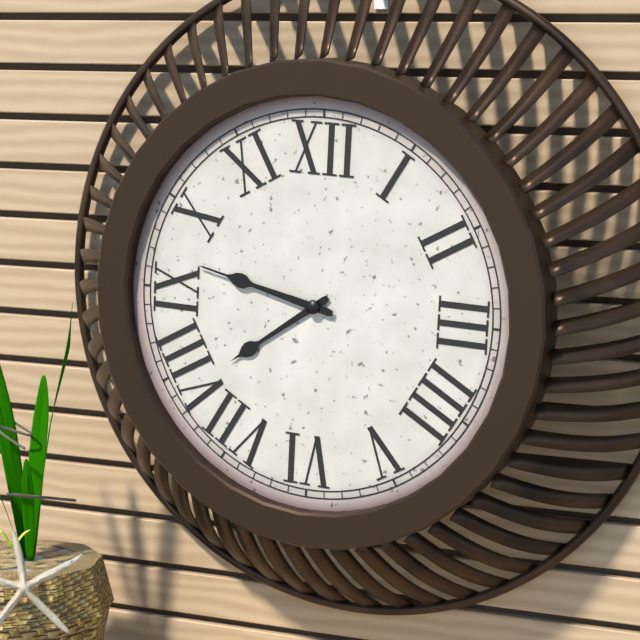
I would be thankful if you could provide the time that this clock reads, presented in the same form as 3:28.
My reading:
7:47
